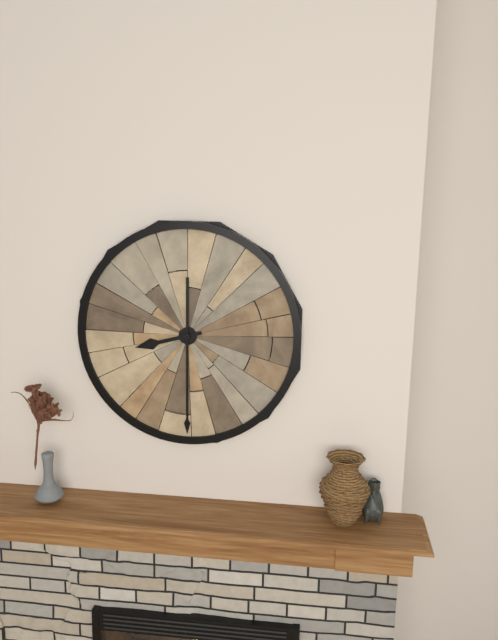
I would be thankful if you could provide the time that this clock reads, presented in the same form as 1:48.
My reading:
8:30
